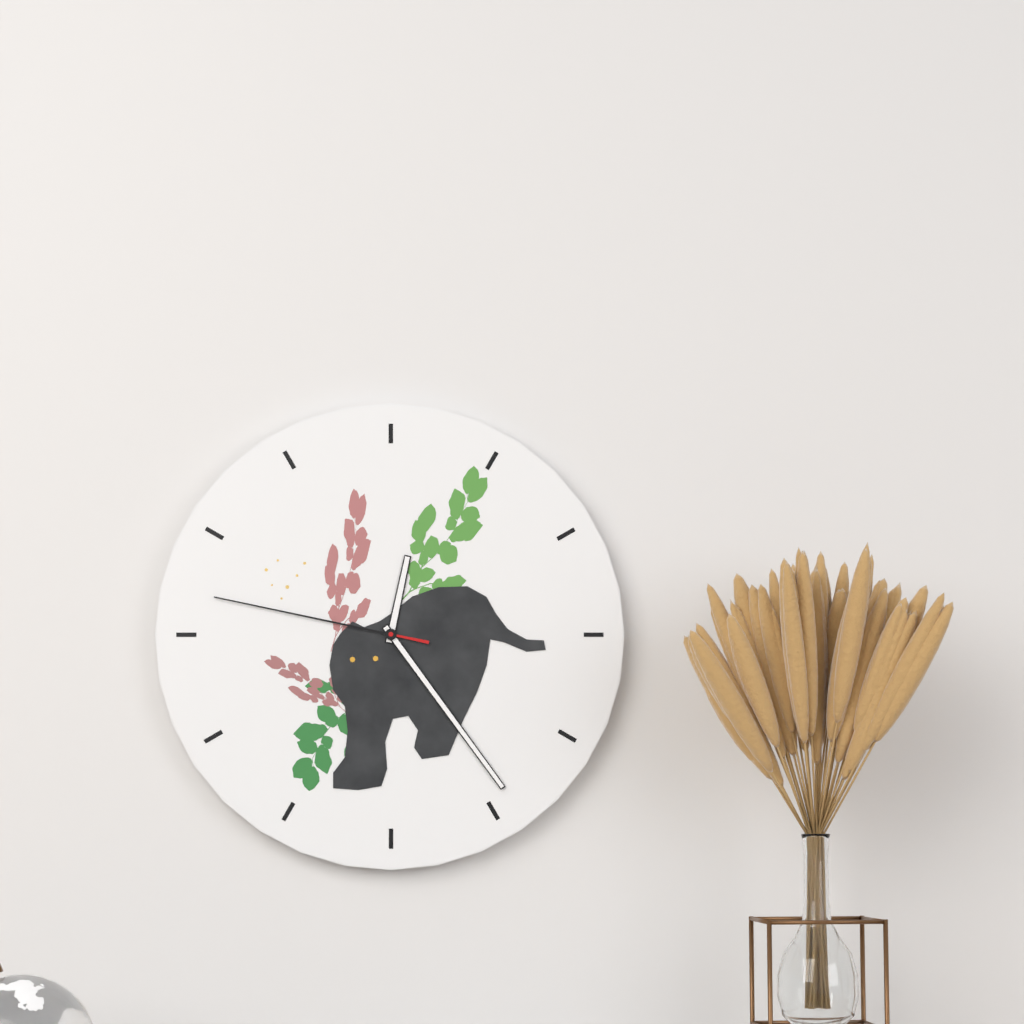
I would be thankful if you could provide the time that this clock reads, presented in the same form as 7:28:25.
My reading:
12:24:47
